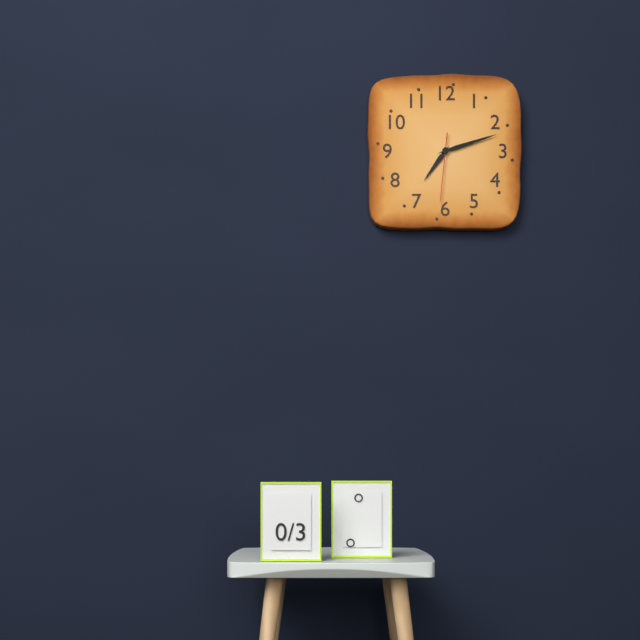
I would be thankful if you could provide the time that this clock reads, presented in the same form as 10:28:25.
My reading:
7:12:31
